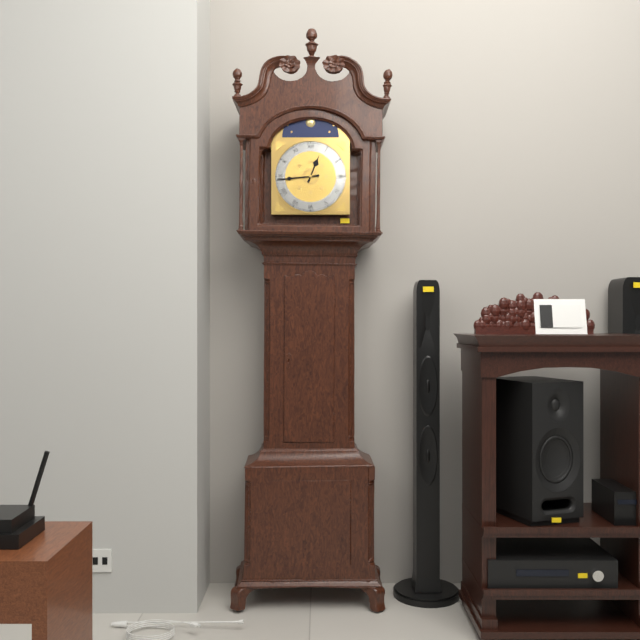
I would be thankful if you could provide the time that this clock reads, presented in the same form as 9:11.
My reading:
12:44
